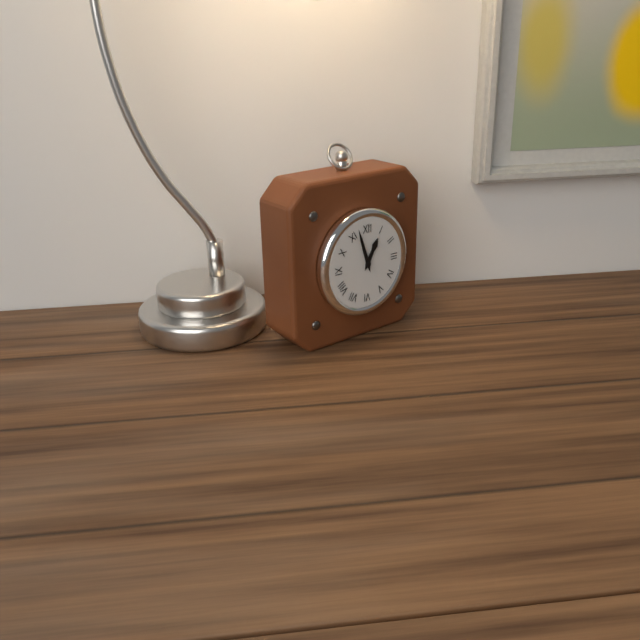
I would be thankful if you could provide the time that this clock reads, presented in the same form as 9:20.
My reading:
12:57
